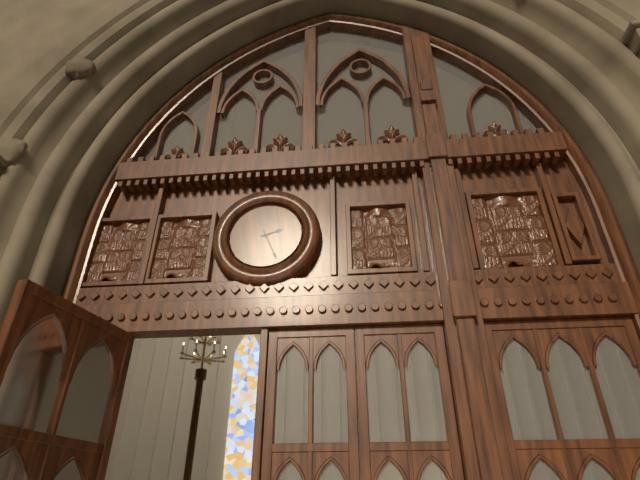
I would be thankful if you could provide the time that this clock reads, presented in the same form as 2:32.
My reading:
2:26
